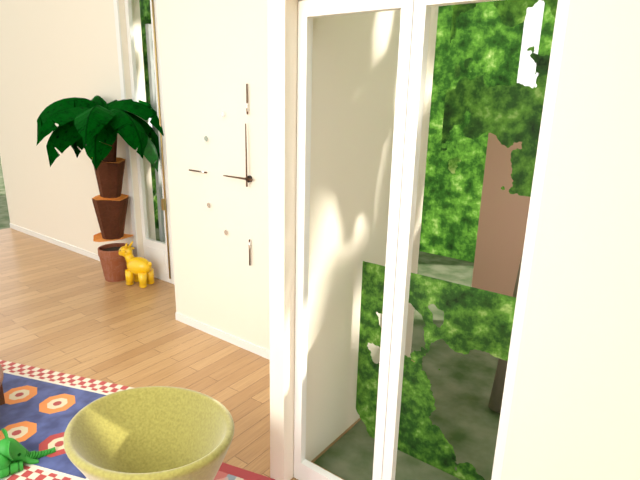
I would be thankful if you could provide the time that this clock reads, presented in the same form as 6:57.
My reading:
9:00
